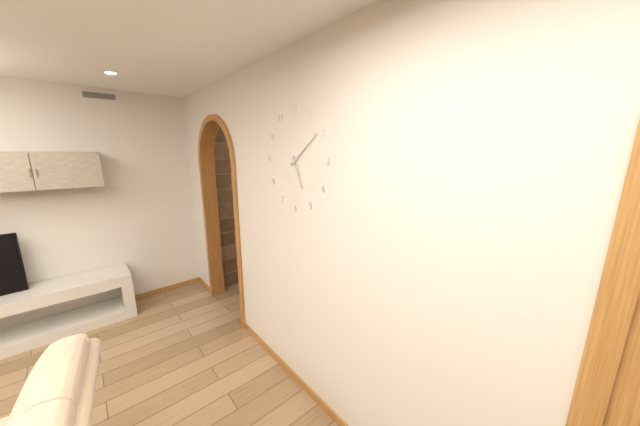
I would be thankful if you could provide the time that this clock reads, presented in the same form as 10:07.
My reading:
5:09
